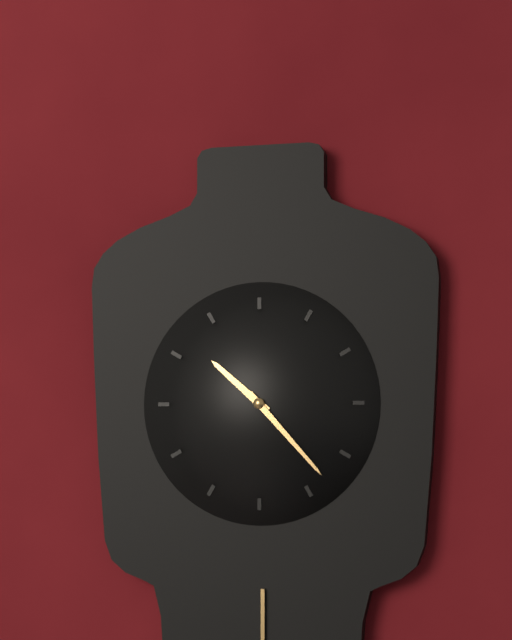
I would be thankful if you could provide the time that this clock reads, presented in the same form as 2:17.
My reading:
10:23
